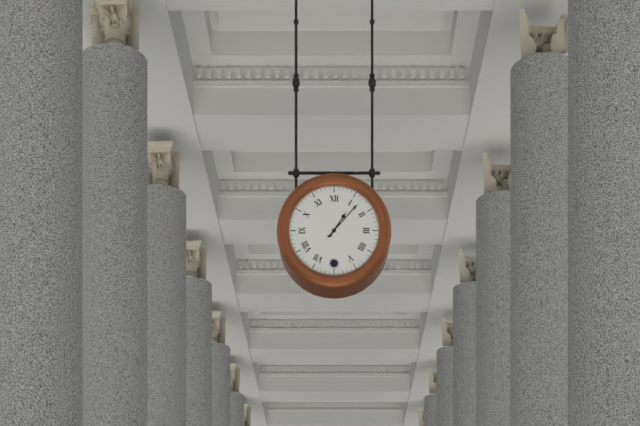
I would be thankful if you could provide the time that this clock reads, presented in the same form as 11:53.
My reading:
1:07
